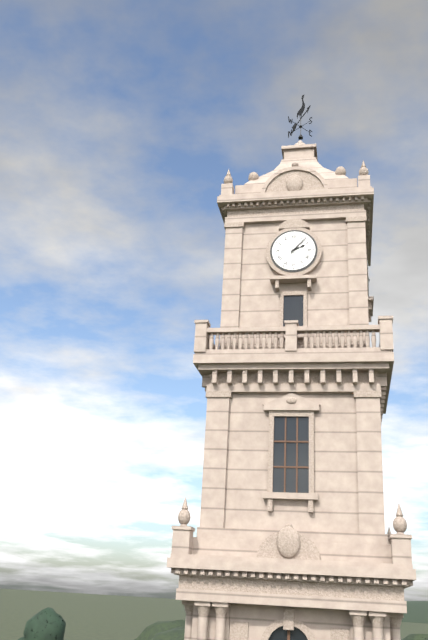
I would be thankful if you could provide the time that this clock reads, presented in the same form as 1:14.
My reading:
2:07
